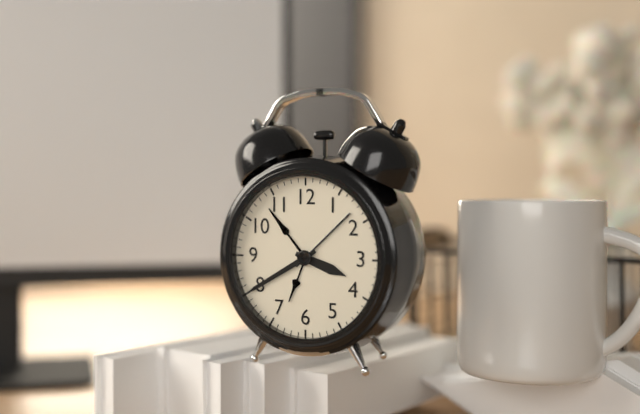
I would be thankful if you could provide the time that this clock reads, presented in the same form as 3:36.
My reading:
3:40
